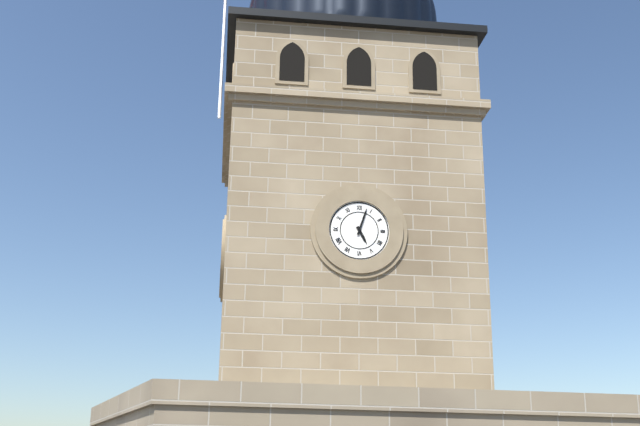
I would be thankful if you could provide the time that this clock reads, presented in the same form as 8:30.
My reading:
5:03
